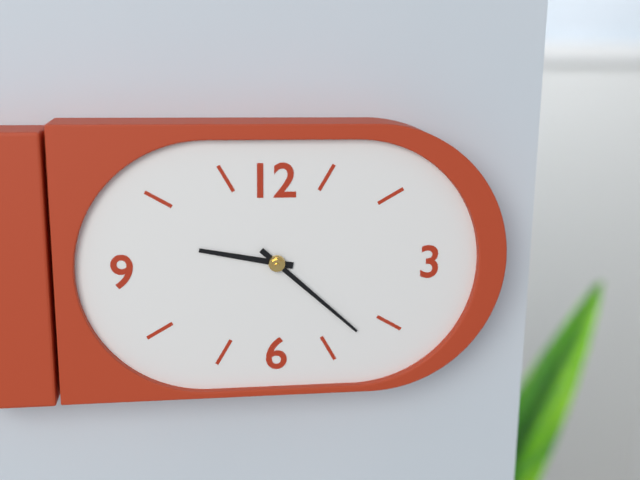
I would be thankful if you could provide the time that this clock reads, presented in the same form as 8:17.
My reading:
9:22
